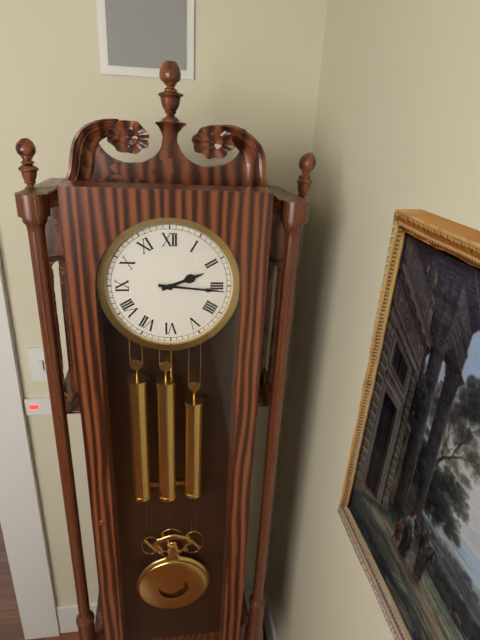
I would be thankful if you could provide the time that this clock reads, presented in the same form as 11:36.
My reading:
2:16
